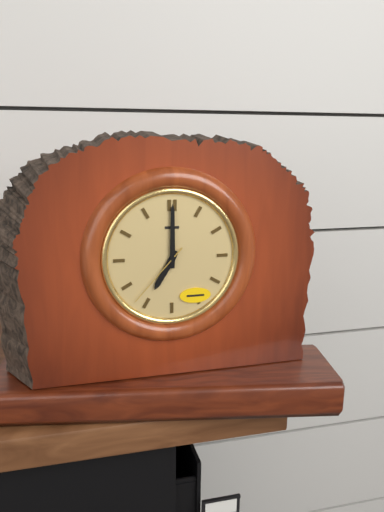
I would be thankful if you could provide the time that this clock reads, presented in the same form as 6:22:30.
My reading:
7:00:37
